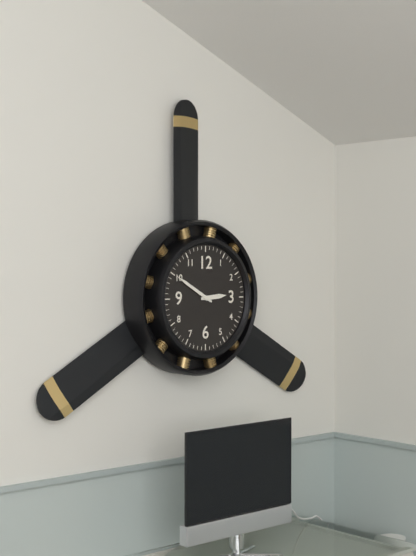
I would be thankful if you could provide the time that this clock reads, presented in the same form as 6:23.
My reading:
2:50
